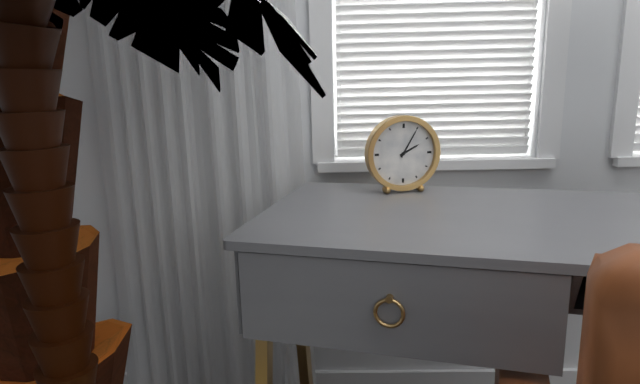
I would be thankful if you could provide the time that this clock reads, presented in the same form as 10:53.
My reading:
2:05
